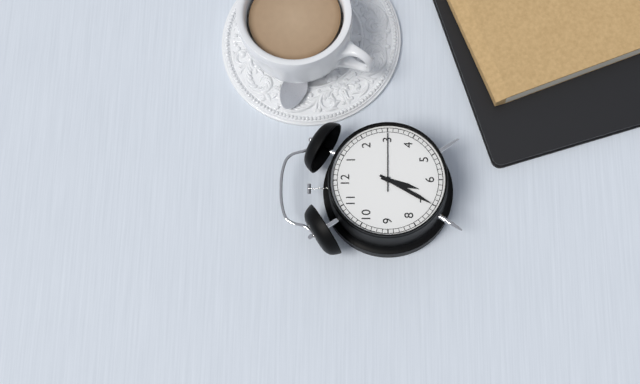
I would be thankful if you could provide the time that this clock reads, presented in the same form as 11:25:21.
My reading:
6:35:15
